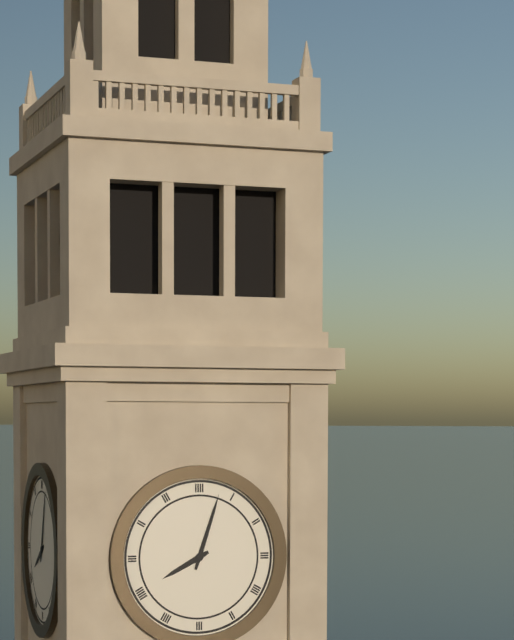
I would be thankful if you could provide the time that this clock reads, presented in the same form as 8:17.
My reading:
8:03
